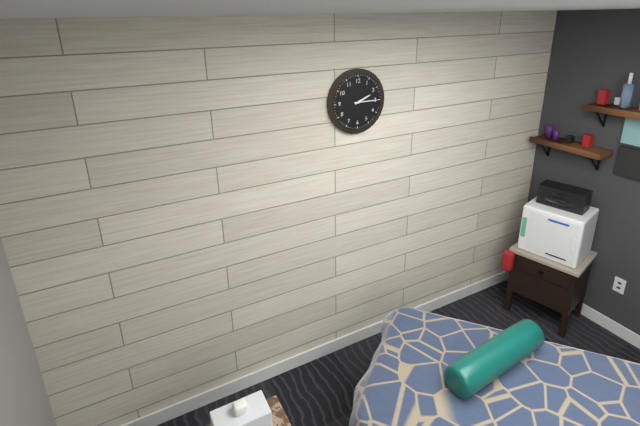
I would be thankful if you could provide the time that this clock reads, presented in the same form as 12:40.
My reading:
2:15
